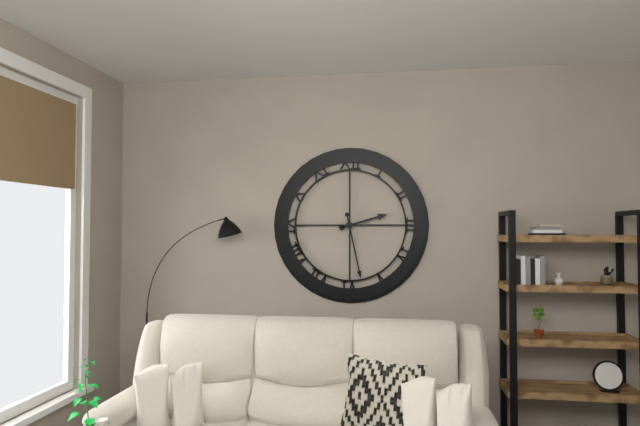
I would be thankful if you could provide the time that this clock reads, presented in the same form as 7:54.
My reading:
2:28
